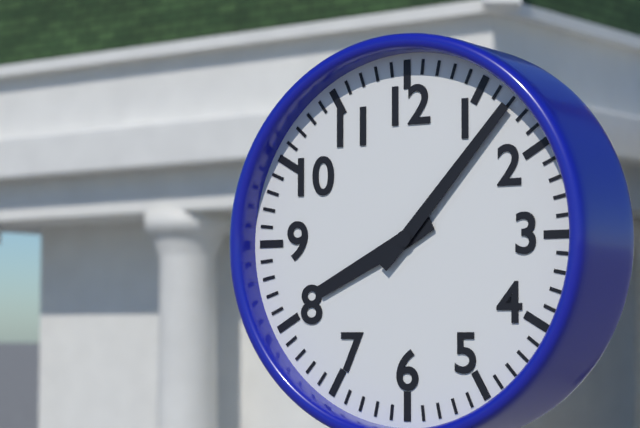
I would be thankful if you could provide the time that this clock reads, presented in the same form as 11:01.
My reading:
8:07
